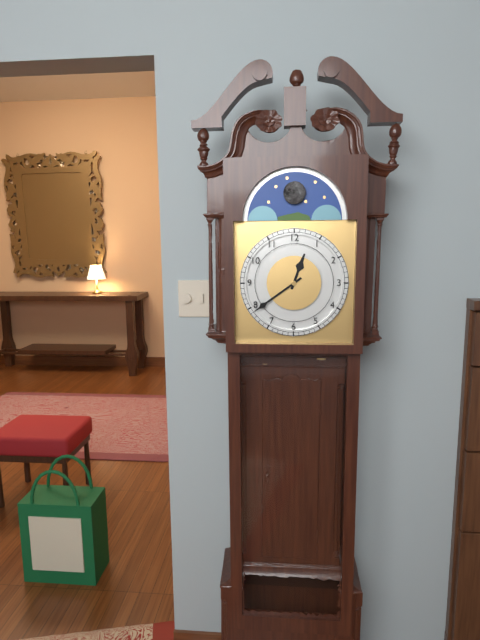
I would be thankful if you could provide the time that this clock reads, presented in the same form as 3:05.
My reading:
12:39
